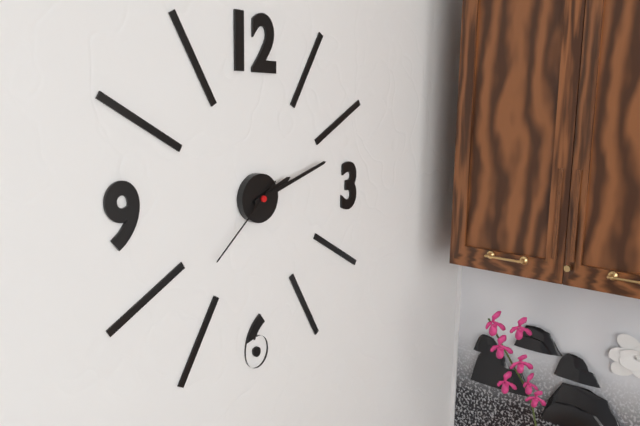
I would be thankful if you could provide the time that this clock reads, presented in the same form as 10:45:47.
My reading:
2:12:38
